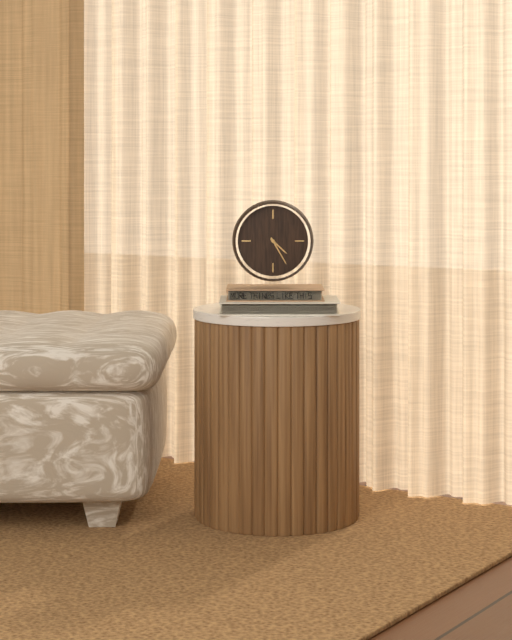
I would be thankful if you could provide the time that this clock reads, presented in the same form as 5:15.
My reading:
4:25
